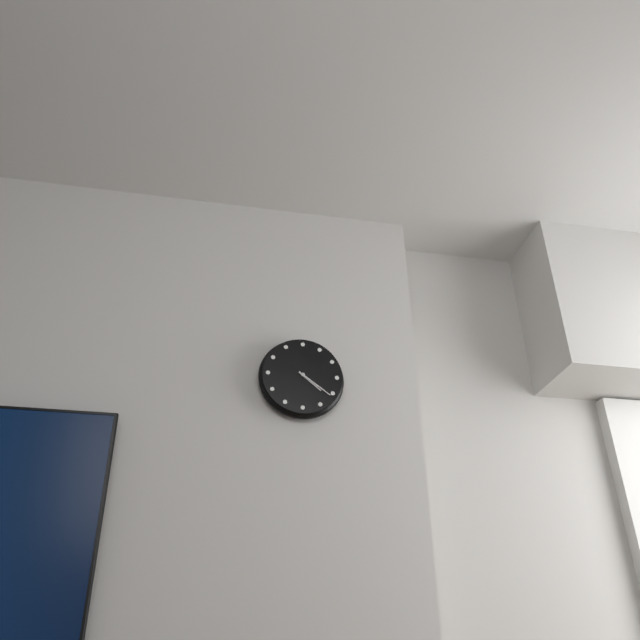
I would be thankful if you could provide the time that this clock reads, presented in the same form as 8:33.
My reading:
4:21
